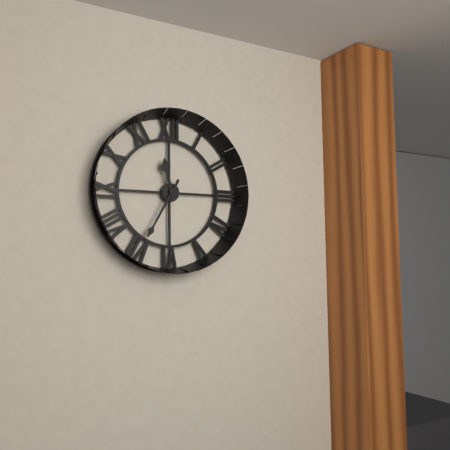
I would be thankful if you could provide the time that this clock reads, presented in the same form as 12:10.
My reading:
11:35
